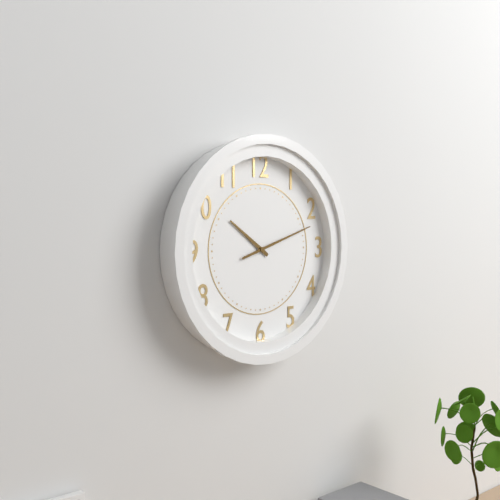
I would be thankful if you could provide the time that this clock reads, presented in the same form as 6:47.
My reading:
10:12
